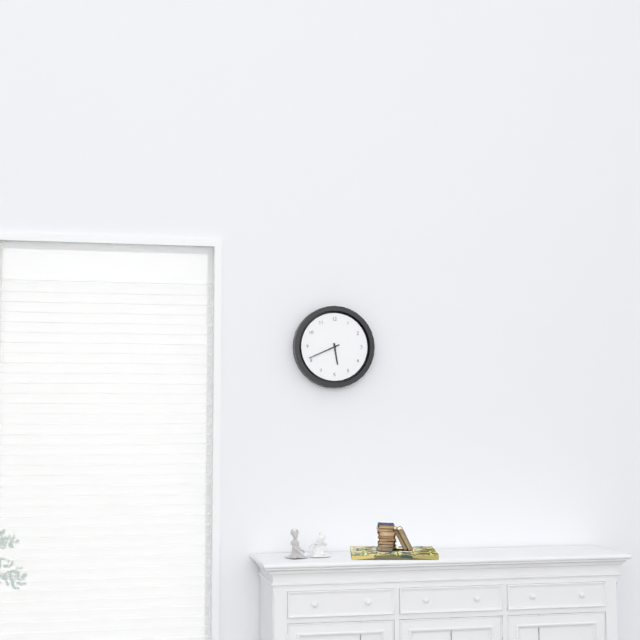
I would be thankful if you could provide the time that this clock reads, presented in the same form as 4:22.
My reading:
5:41
